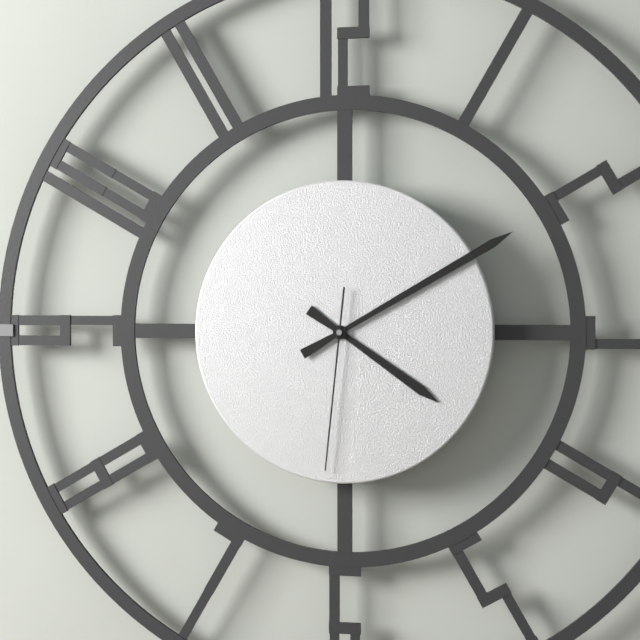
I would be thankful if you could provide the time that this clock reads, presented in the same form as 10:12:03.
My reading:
4:10:31
